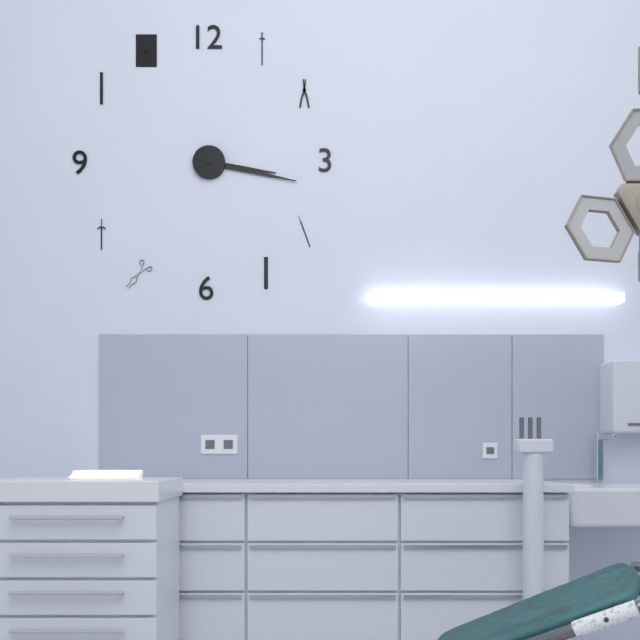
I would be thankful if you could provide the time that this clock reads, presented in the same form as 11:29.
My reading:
3:17
